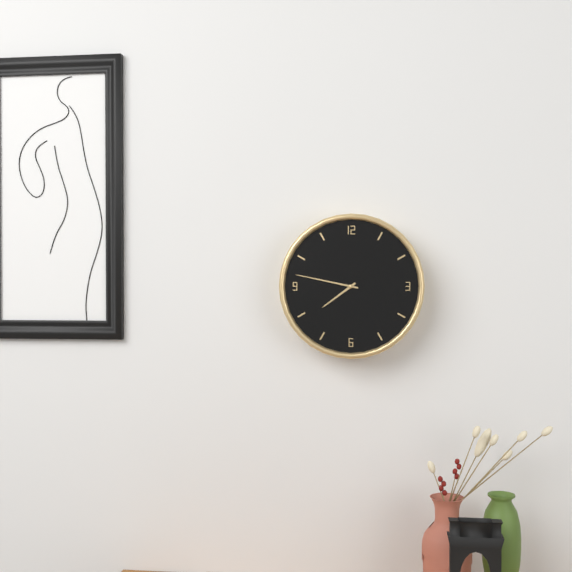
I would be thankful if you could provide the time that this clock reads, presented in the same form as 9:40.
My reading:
7:47
